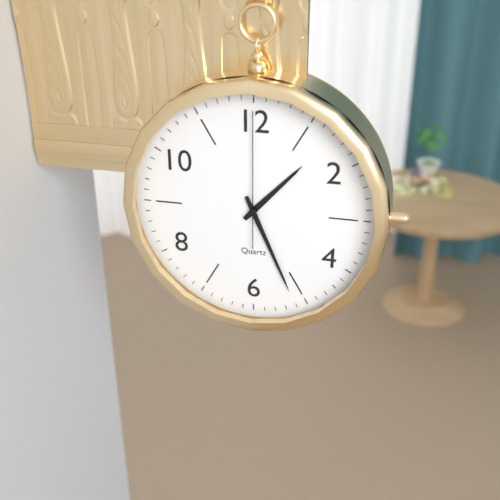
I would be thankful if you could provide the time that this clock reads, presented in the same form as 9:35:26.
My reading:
1:26:00
